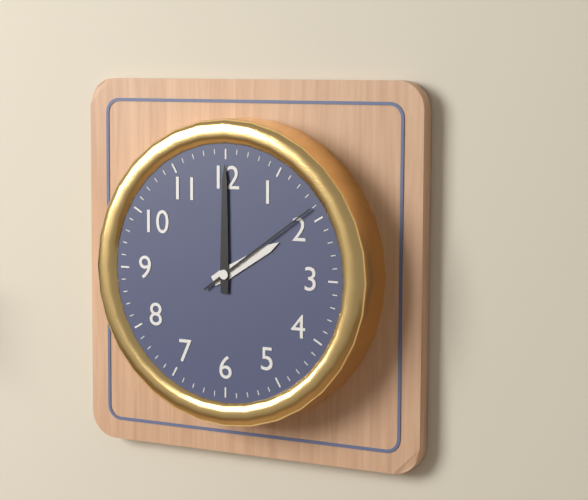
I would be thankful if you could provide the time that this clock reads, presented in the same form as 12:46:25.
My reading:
2:00:09
